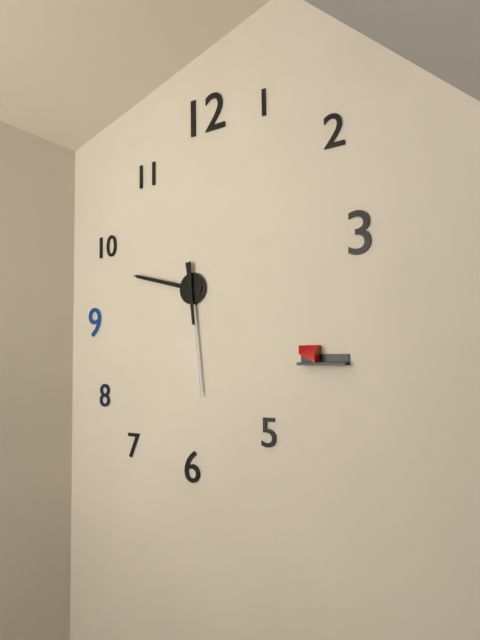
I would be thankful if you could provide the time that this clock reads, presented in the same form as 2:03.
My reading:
9:29
